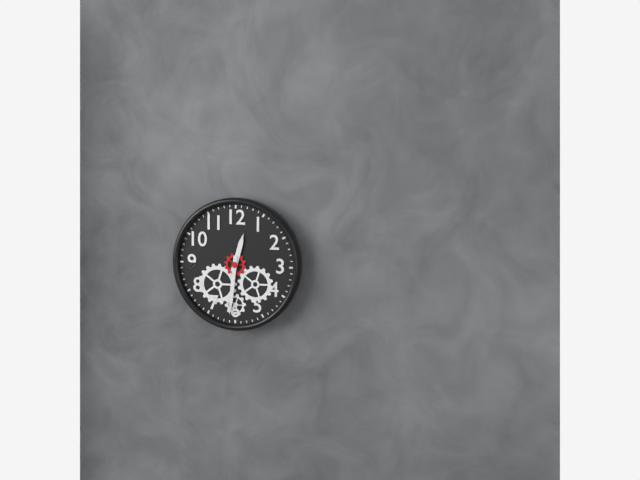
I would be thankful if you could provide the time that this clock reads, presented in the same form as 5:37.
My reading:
12:31
